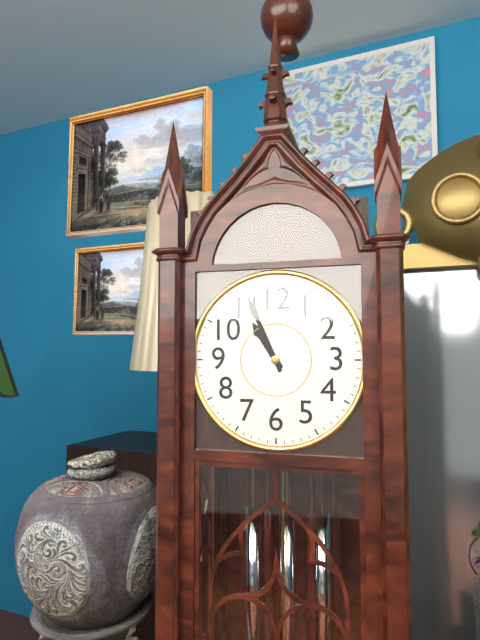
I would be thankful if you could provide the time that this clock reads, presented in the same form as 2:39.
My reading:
10:56
